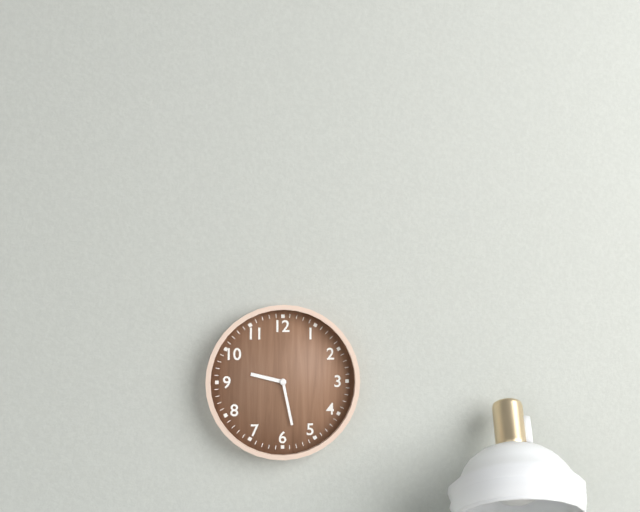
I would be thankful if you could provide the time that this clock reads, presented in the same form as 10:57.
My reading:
9:28
